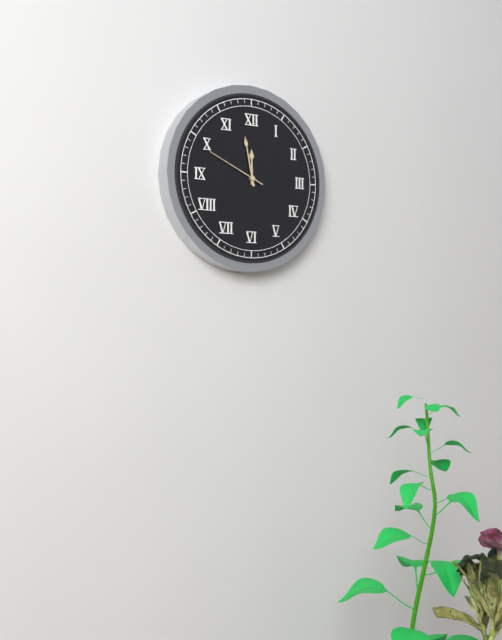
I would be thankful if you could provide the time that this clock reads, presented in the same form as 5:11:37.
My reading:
11:58:49
